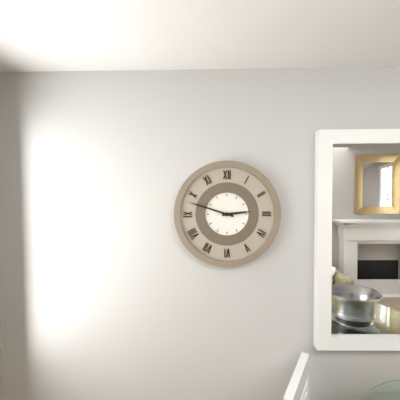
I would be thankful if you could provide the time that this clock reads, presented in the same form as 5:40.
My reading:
2:48
